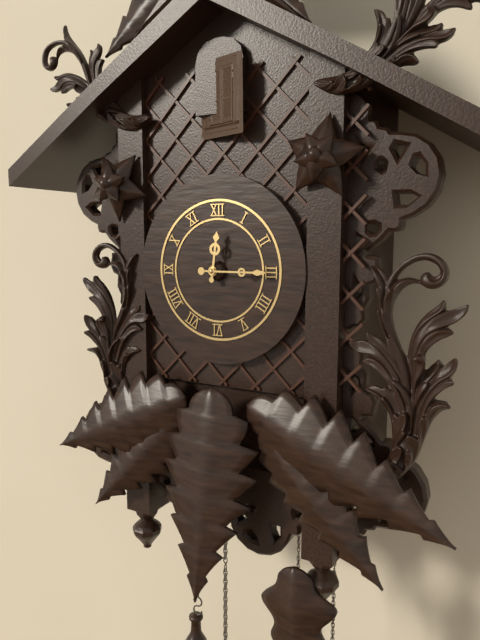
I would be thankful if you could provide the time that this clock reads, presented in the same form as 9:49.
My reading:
12:15
